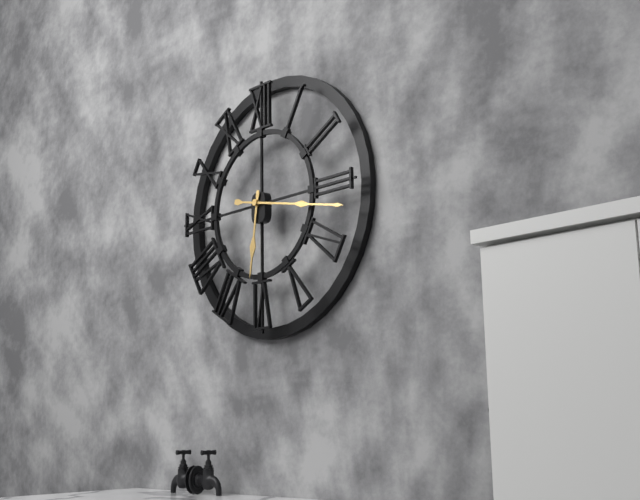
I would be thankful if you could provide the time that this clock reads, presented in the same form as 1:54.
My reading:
6:17
